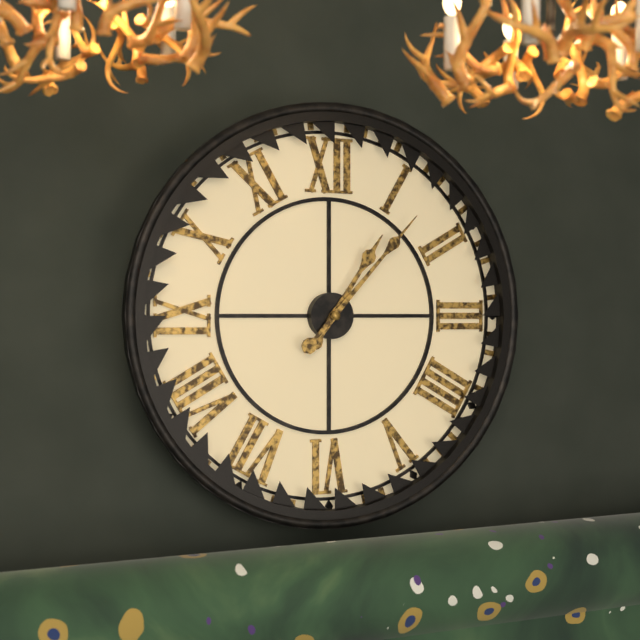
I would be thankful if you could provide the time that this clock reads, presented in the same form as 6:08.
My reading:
1:07
